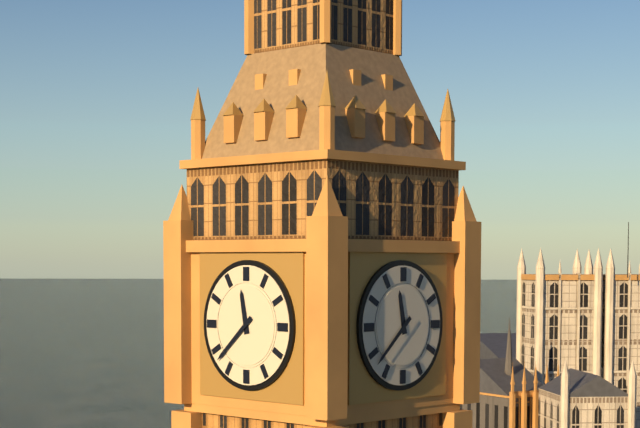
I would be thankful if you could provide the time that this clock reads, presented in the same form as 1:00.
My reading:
11:38
